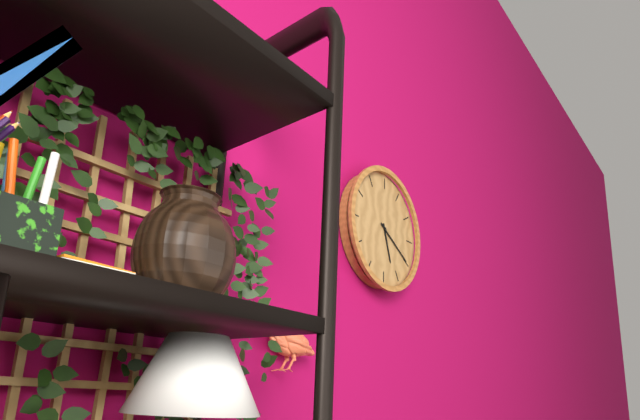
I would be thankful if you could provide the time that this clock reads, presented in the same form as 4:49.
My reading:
5:20
